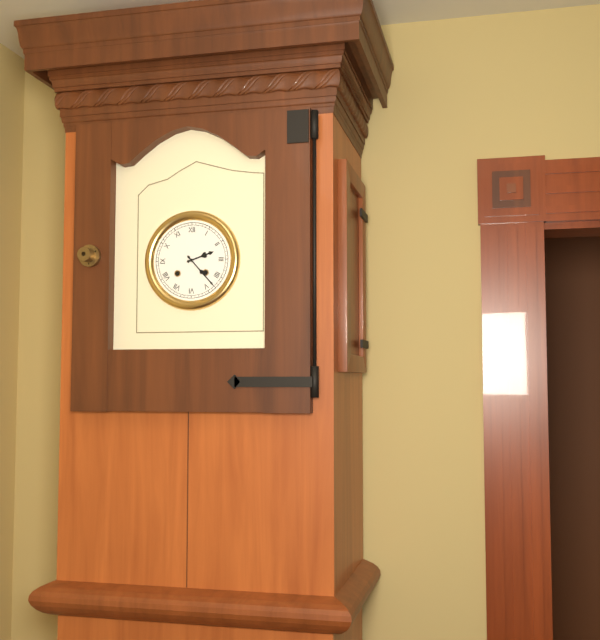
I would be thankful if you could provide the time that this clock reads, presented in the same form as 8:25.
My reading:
2:23
